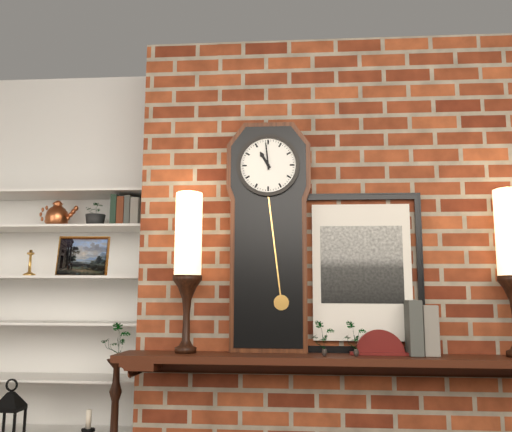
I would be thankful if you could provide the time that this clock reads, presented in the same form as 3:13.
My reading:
10:59
